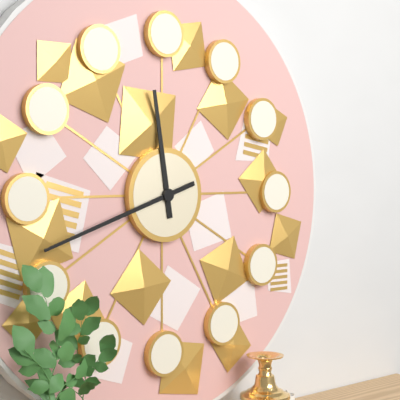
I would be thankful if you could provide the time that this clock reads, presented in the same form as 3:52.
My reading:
11:42
